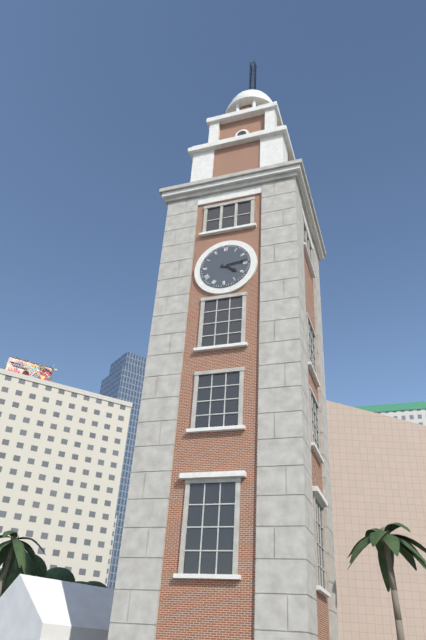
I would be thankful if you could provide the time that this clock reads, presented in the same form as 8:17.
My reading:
4:14
